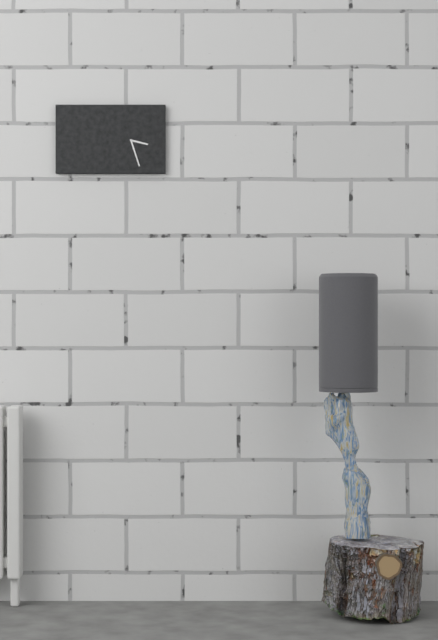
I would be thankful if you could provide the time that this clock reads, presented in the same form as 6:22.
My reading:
3:27
